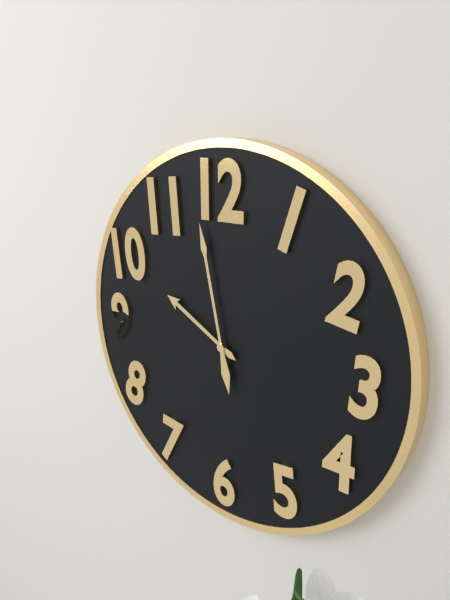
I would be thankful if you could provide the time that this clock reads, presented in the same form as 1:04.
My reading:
9:58
